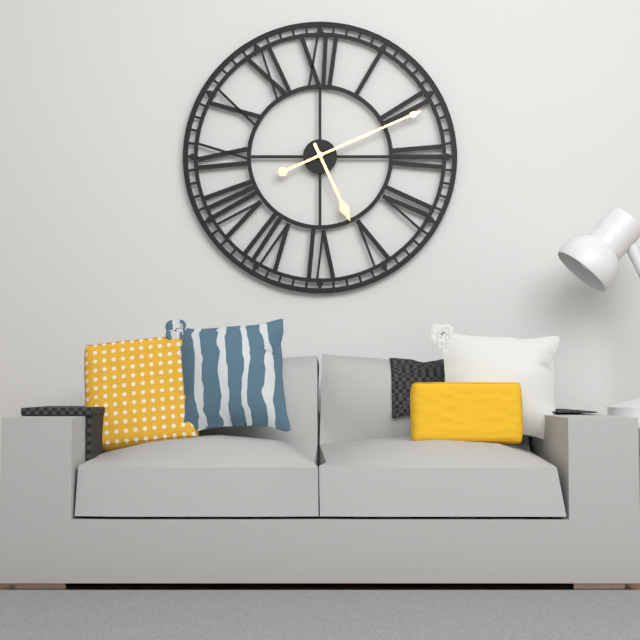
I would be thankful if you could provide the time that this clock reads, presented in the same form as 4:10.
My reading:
5:11
